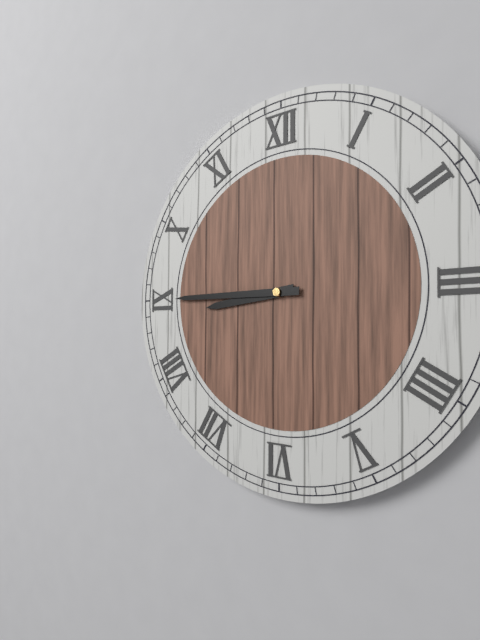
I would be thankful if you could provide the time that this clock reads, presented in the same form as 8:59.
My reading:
8:45
